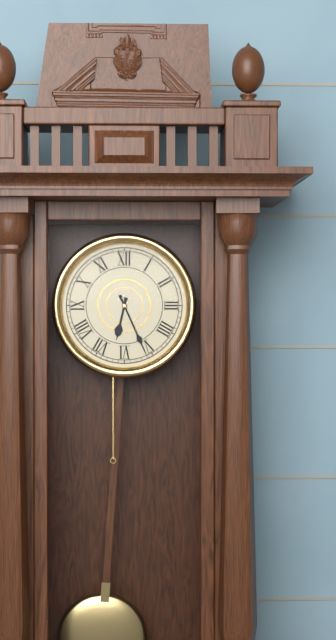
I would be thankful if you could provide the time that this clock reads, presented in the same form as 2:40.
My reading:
6:26
